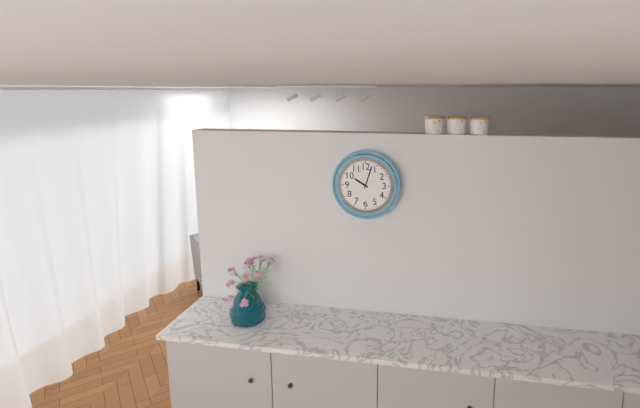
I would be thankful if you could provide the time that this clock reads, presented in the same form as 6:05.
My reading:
10:03
